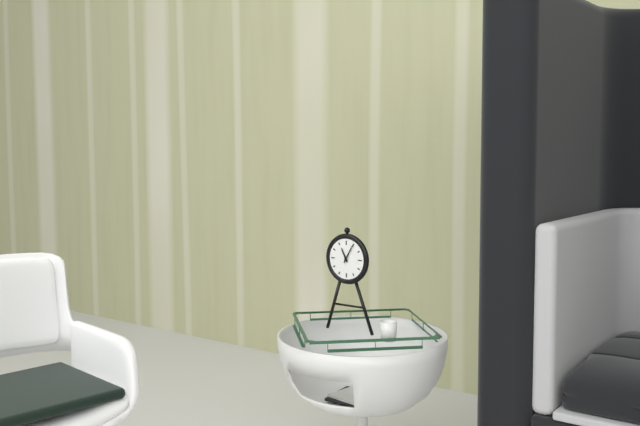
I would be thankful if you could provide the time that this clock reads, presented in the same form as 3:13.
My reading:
11:05
